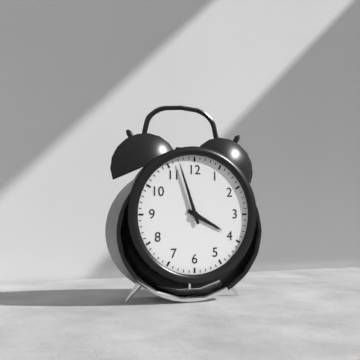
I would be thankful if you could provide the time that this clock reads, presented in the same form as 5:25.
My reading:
3:57
